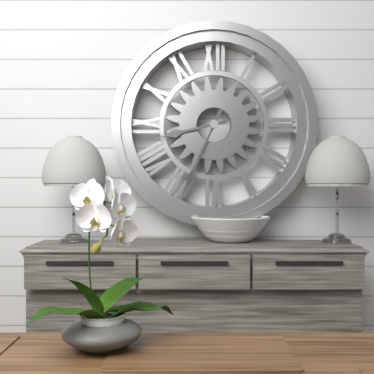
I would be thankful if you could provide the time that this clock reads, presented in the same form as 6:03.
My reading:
8:34
